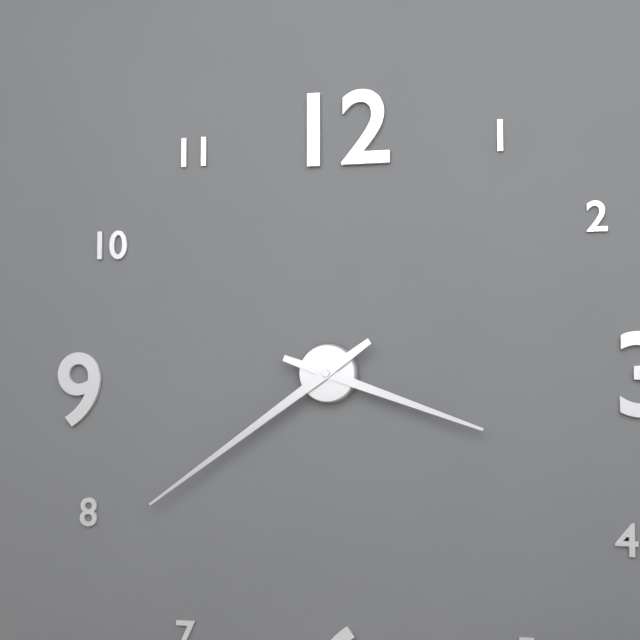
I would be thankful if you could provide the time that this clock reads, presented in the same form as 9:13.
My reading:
3:39
